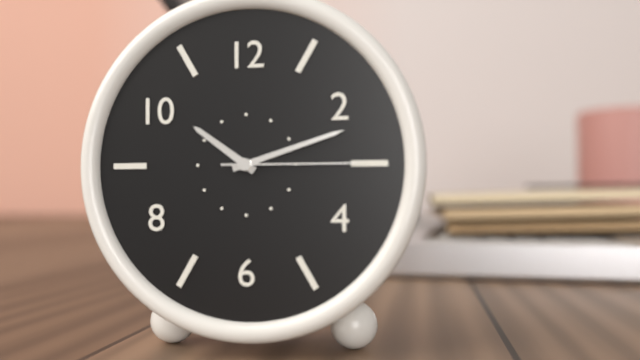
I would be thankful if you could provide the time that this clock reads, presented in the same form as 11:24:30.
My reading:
10:12:15
